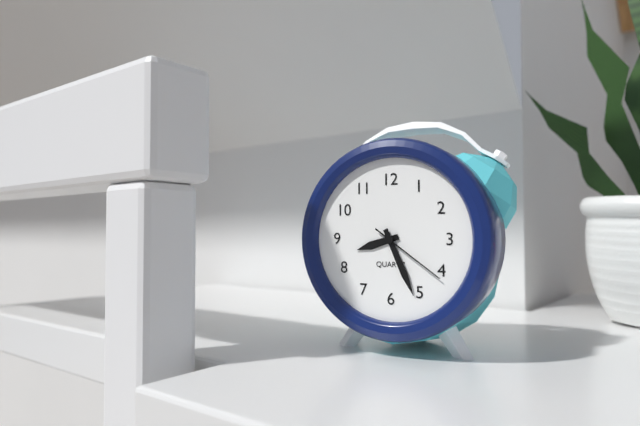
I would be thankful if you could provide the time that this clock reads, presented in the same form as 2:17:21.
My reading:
8:26:21
